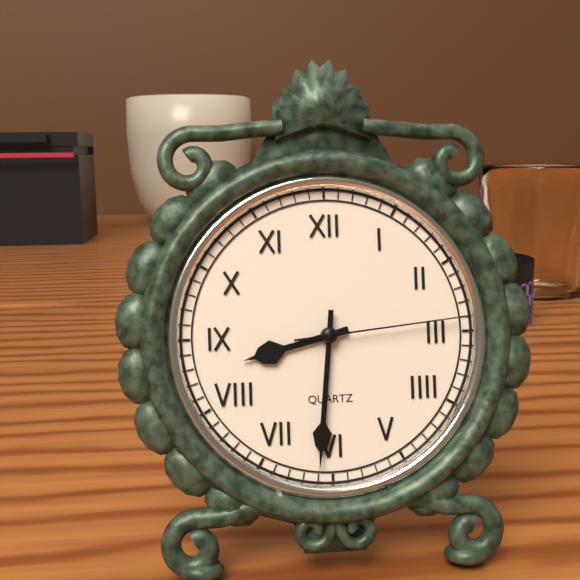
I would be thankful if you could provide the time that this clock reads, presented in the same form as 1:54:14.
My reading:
8:31:14
